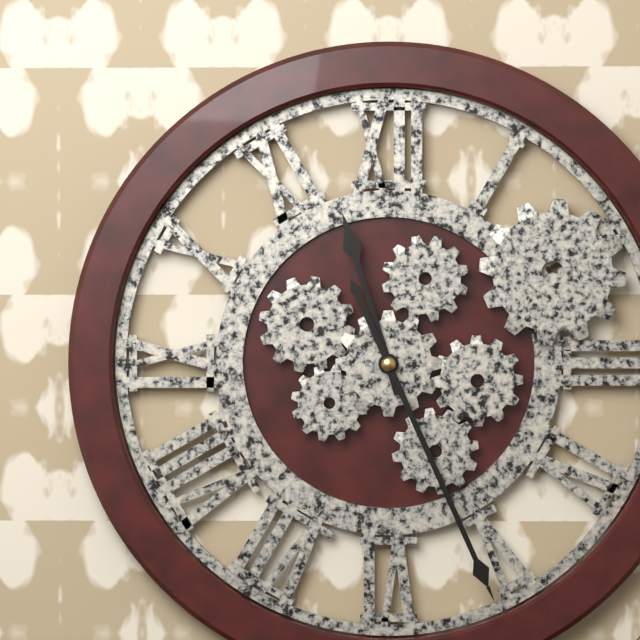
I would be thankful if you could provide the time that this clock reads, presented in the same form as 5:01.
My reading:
11:26
